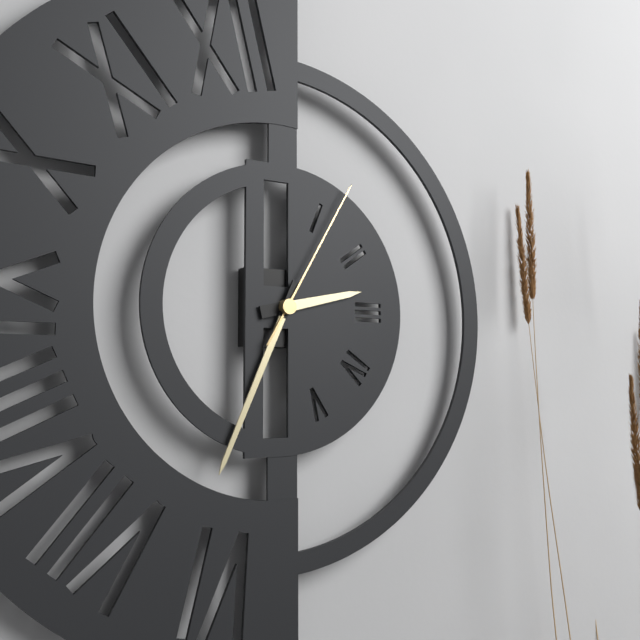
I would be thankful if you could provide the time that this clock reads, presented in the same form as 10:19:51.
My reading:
2:34:05
